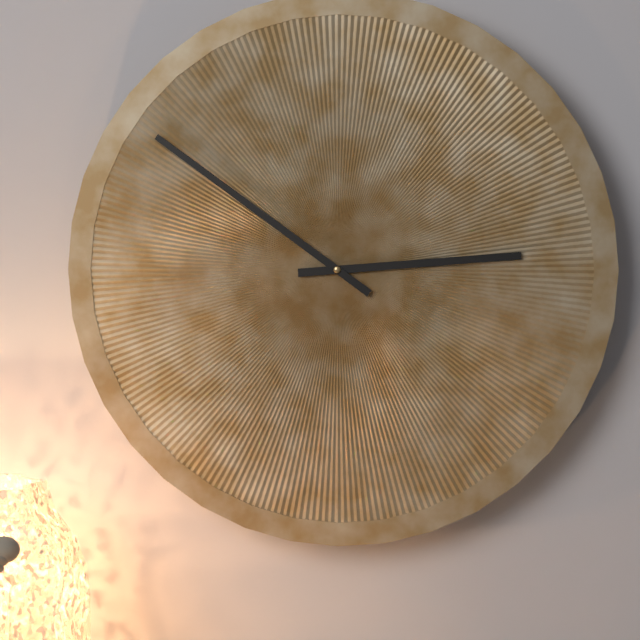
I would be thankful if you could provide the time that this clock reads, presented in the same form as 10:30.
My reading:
2:51
